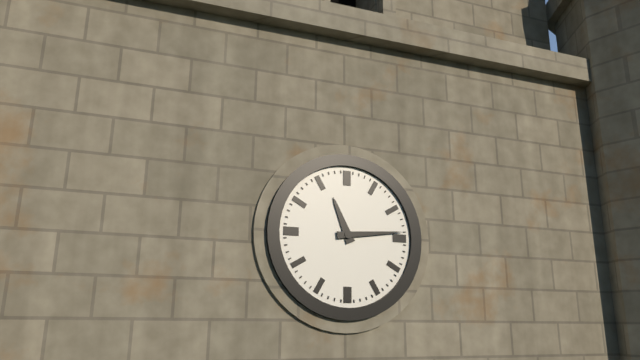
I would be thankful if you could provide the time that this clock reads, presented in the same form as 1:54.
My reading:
11:14
